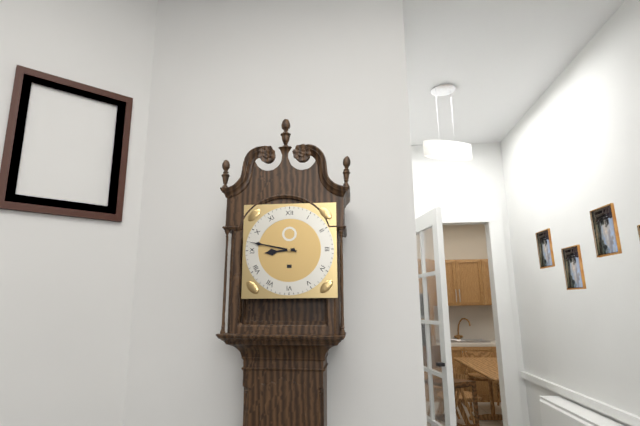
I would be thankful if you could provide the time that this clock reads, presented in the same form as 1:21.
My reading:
8:47
